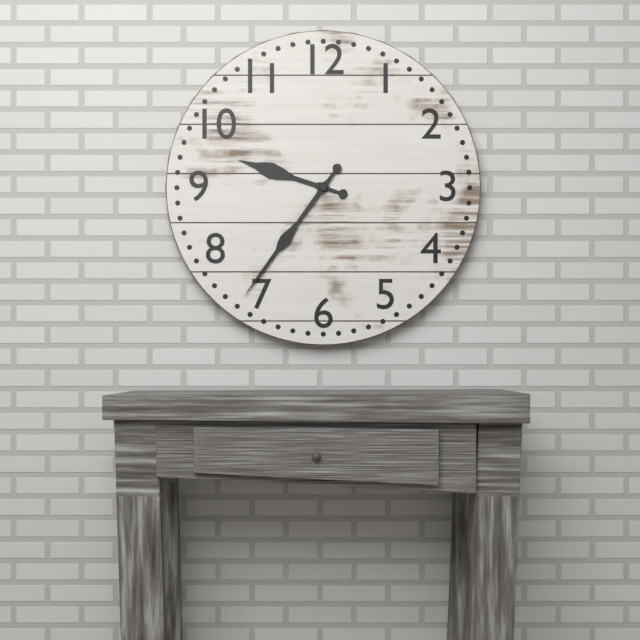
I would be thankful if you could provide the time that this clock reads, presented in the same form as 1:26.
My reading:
9:36
